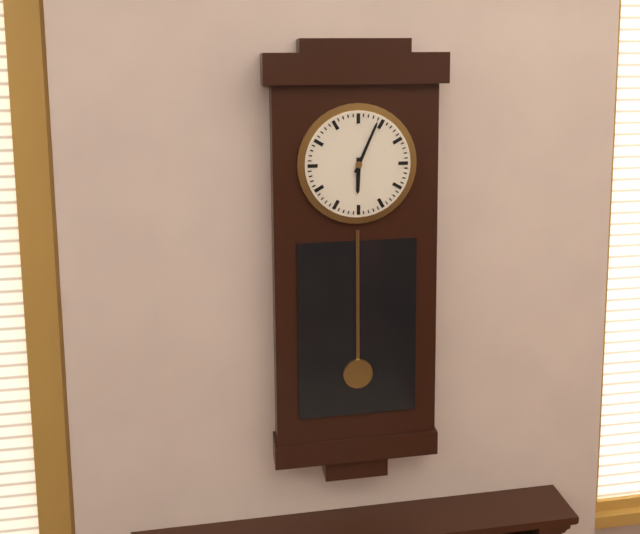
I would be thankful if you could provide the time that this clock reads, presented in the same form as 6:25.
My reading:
6:04
